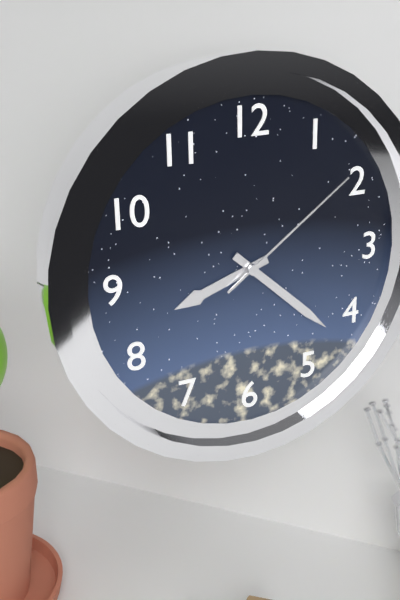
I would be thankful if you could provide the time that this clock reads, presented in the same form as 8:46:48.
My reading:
8:22:09
